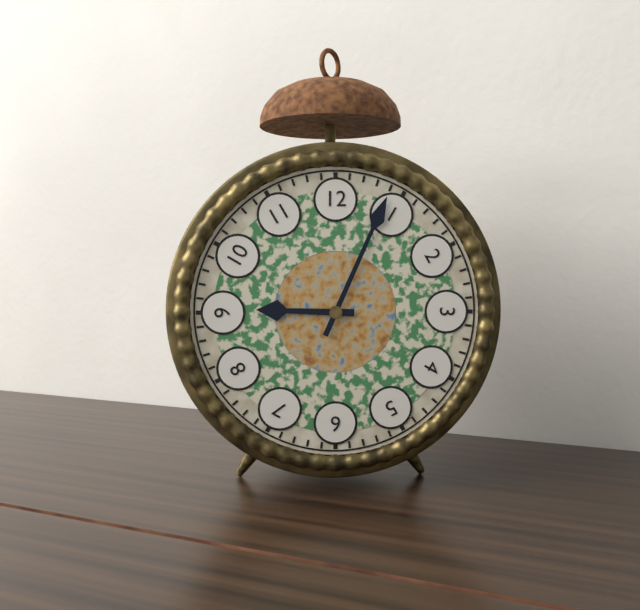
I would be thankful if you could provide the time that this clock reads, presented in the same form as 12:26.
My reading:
9:04
